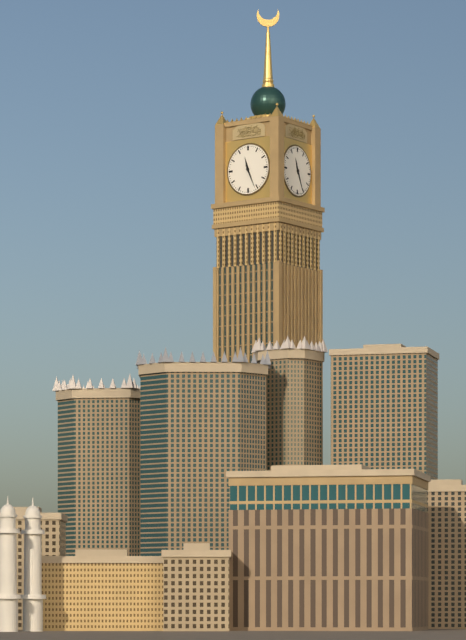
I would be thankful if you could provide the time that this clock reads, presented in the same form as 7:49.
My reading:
11:26
